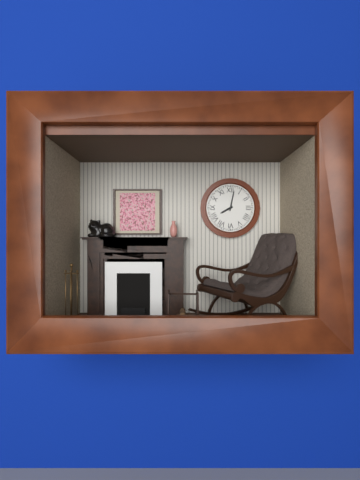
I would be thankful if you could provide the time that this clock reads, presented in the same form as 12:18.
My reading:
8:02
